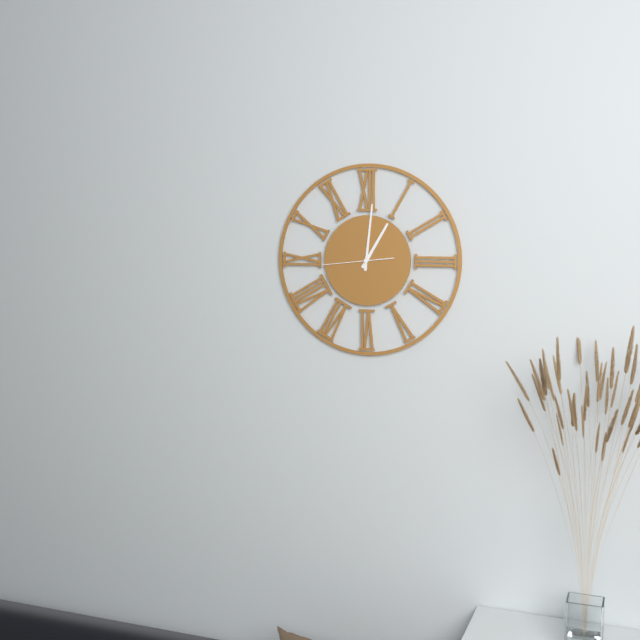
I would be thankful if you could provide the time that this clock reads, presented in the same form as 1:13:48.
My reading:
1:01:44
